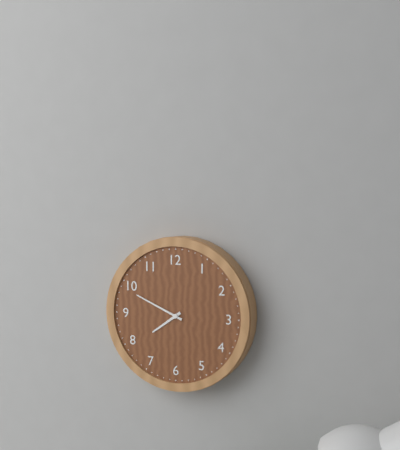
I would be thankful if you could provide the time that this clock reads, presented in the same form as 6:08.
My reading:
7:49
